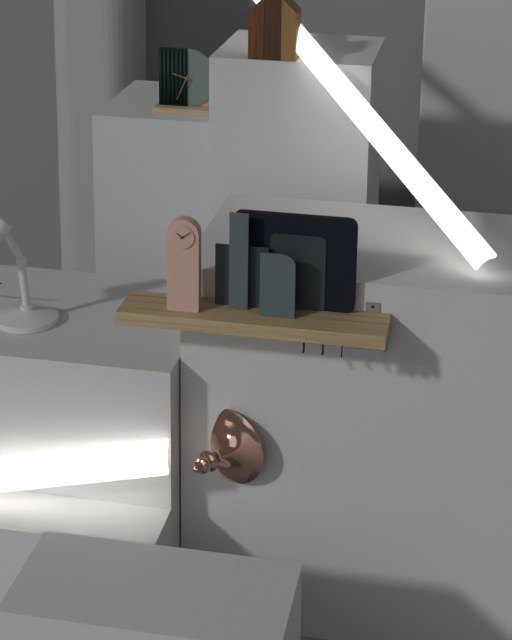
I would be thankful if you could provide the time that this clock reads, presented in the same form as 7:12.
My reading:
9:34
